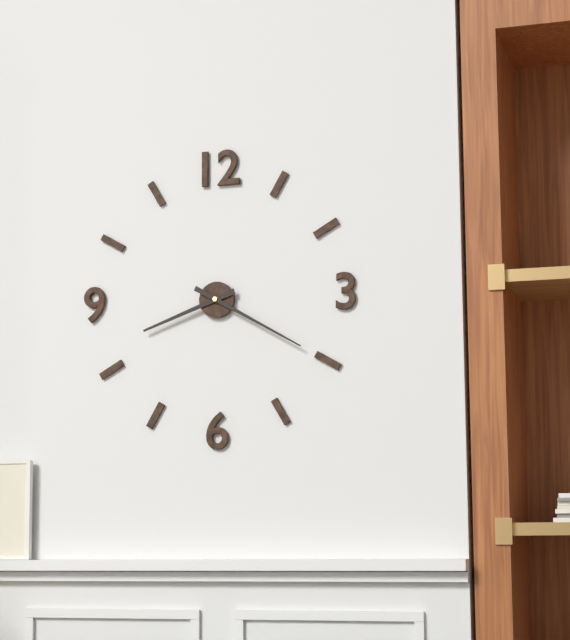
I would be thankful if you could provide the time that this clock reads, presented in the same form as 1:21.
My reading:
8:20
